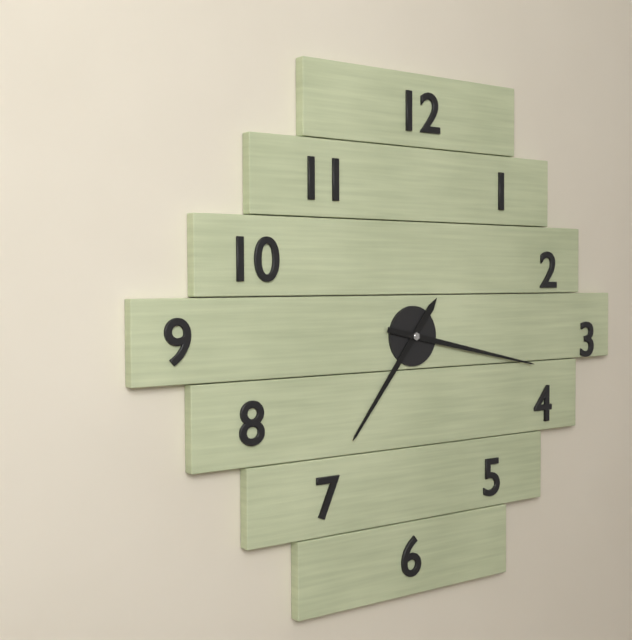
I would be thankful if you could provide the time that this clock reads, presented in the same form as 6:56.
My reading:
7:17
